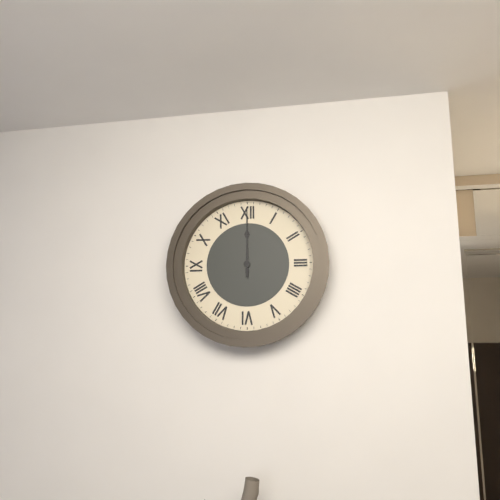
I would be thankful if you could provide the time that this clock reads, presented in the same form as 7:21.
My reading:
12:00
